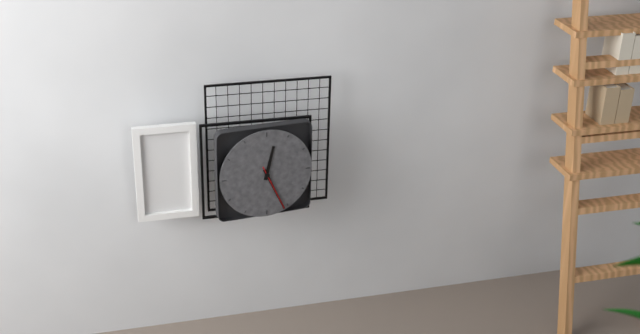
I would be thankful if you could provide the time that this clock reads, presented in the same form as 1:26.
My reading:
12:26
